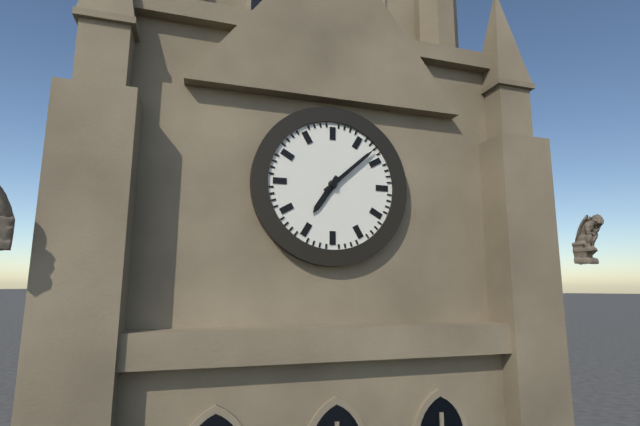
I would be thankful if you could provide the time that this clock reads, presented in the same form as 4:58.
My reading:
7:08
